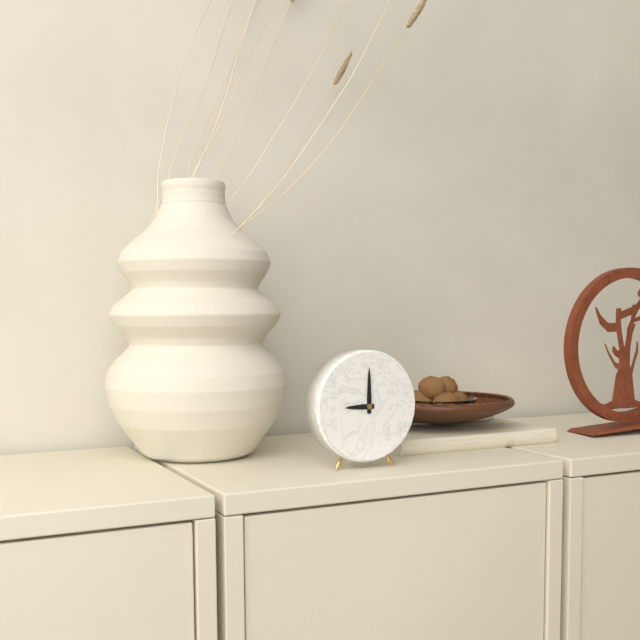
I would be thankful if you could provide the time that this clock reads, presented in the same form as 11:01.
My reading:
9:00
